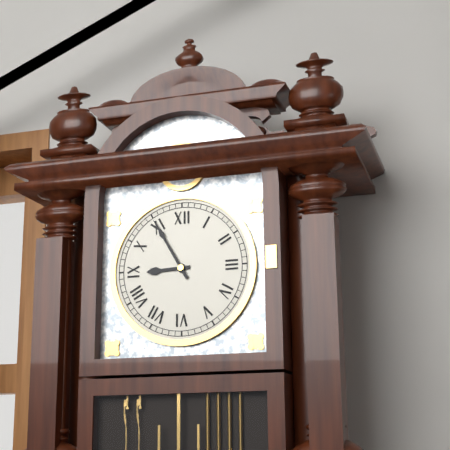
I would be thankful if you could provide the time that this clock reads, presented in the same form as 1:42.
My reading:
8:55
